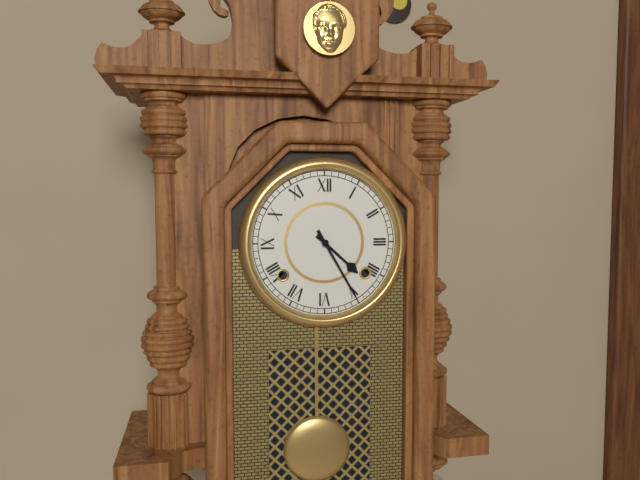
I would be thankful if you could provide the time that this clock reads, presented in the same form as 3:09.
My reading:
4:25
